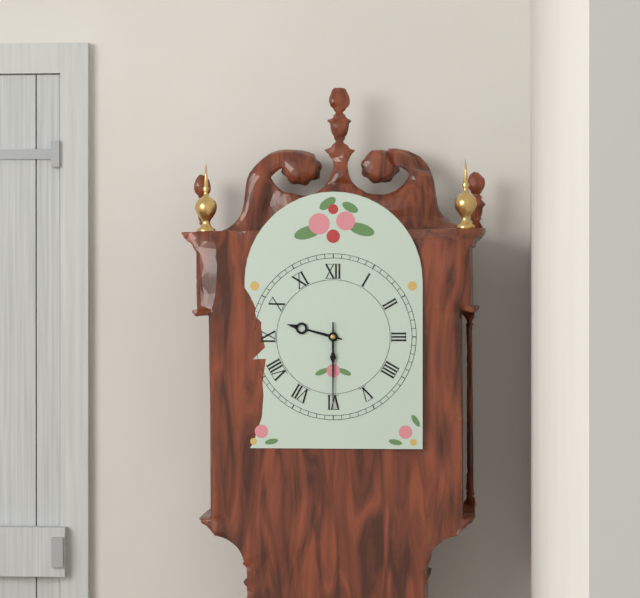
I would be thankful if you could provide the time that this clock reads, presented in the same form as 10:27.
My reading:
9:30
